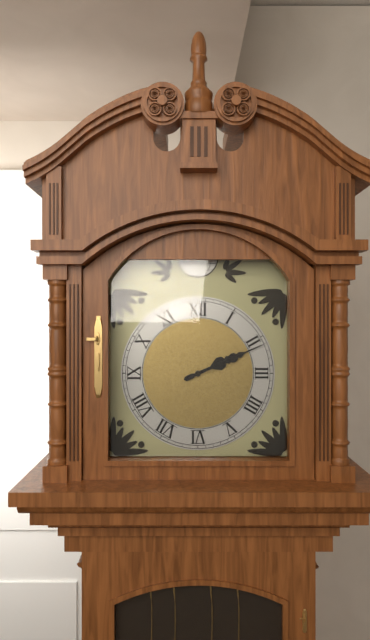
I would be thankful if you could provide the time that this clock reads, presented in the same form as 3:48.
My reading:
2:11
